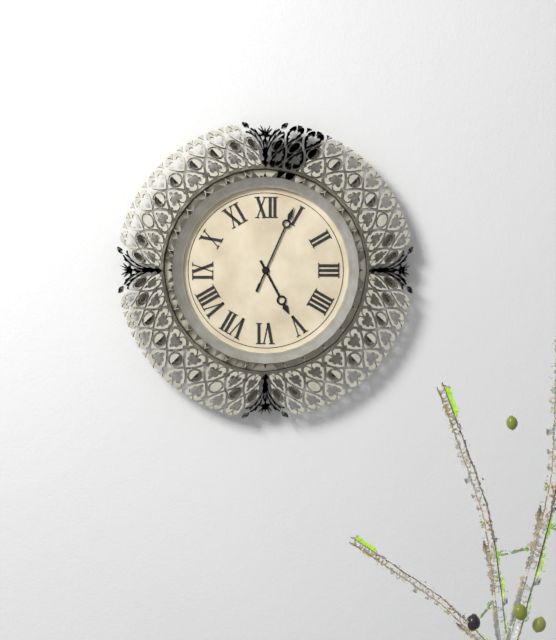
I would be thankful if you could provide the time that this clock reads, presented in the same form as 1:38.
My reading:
5:04
